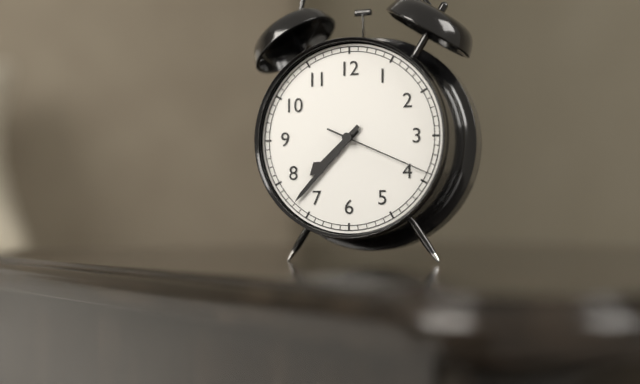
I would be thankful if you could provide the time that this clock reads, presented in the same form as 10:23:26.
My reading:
7:37:19
